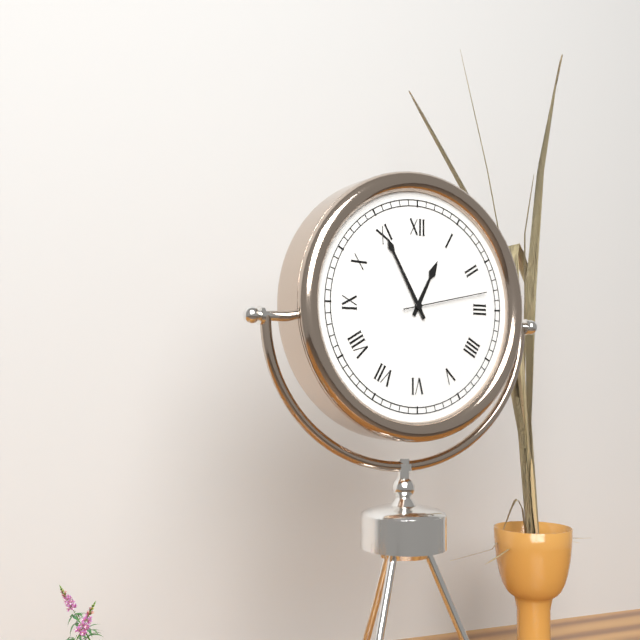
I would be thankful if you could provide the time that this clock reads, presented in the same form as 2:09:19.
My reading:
12:55:13
